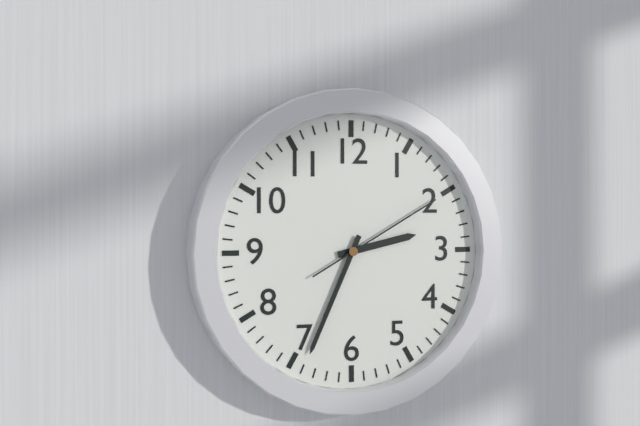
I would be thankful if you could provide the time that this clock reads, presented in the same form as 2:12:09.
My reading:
2:34:10
